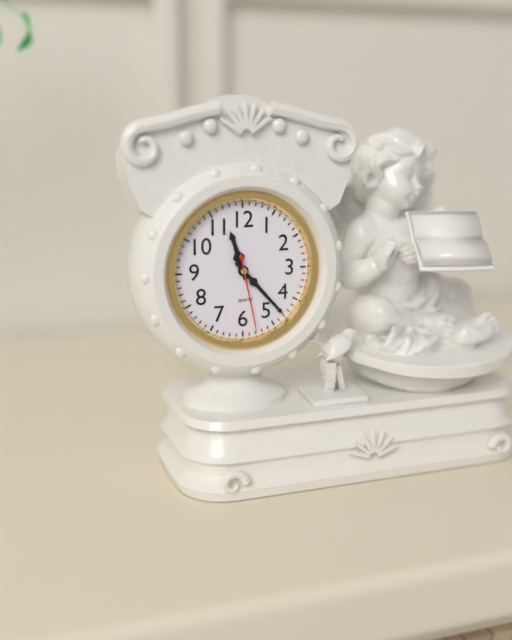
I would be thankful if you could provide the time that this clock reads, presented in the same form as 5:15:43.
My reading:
11:23:28
